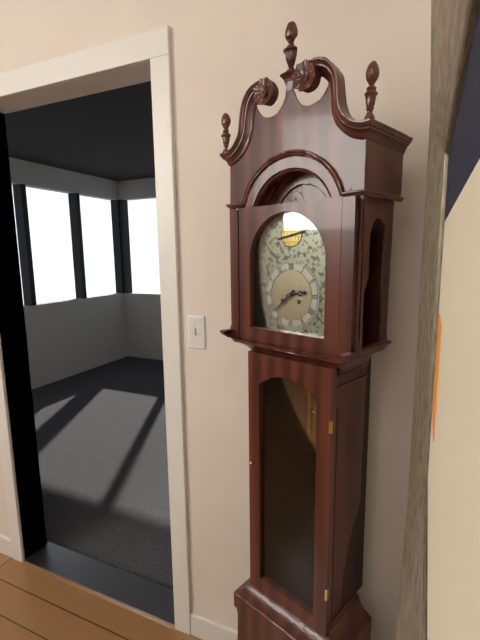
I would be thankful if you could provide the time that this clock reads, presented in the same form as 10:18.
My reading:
2:38
